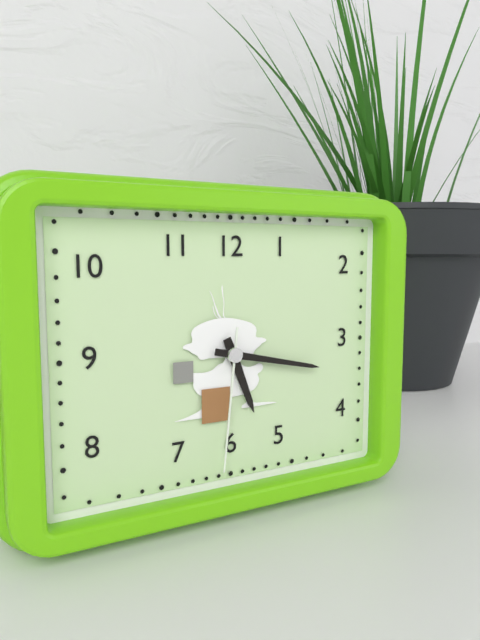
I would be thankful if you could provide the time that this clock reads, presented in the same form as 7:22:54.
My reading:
5:17:31
